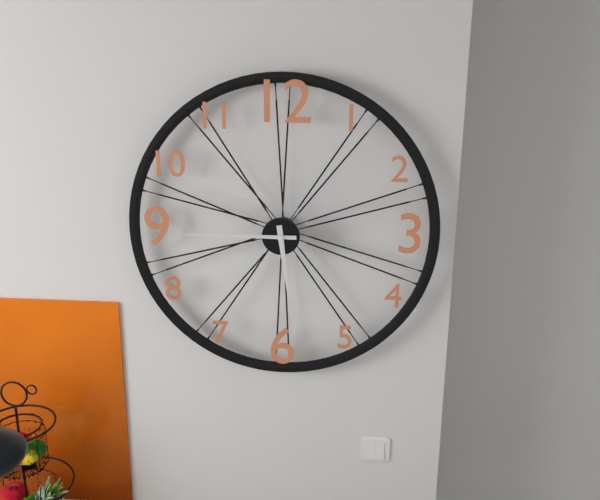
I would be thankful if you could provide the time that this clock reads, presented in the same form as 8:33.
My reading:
5:45
